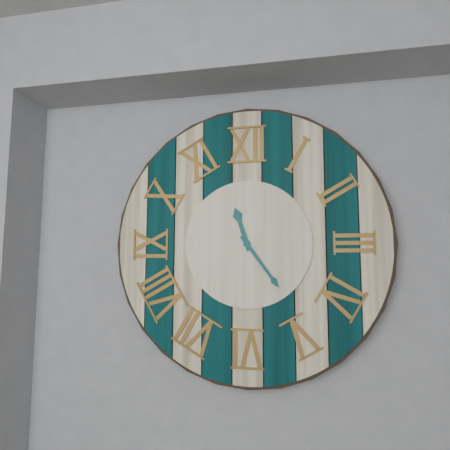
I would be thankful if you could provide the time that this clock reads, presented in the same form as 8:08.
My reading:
11:24
